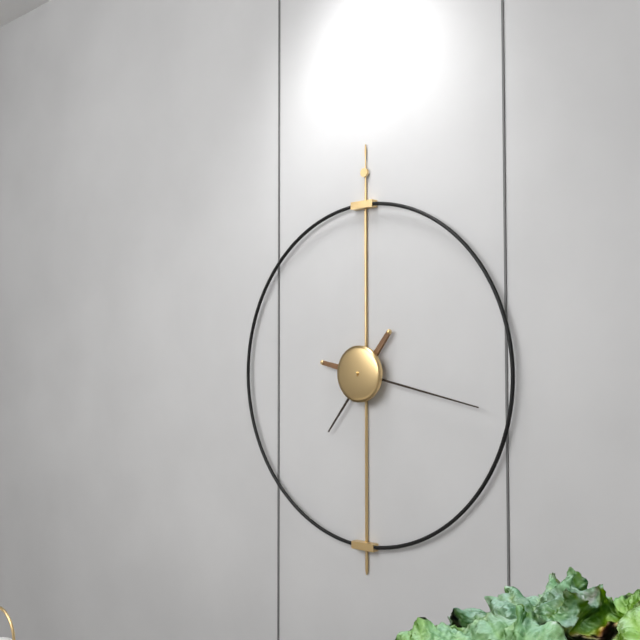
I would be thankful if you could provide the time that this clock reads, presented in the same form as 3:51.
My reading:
7:17
